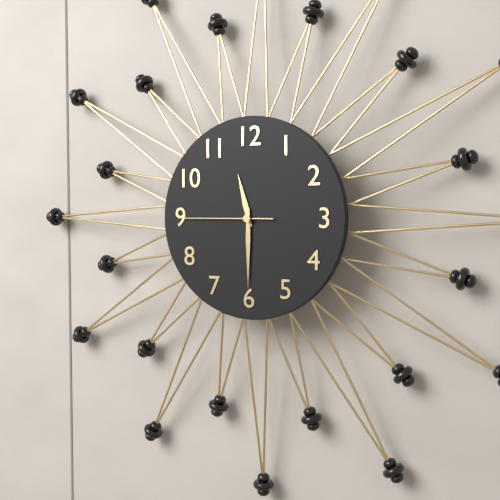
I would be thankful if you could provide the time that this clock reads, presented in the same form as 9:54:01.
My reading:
11:30:45
